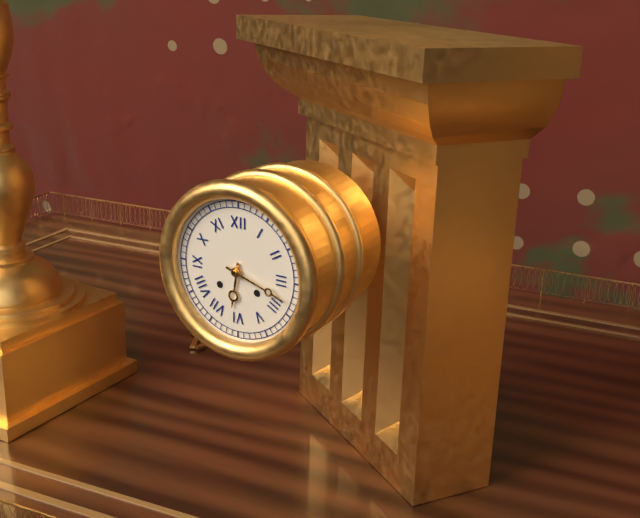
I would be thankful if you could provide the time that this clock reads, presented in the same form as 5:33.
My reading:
6:18
